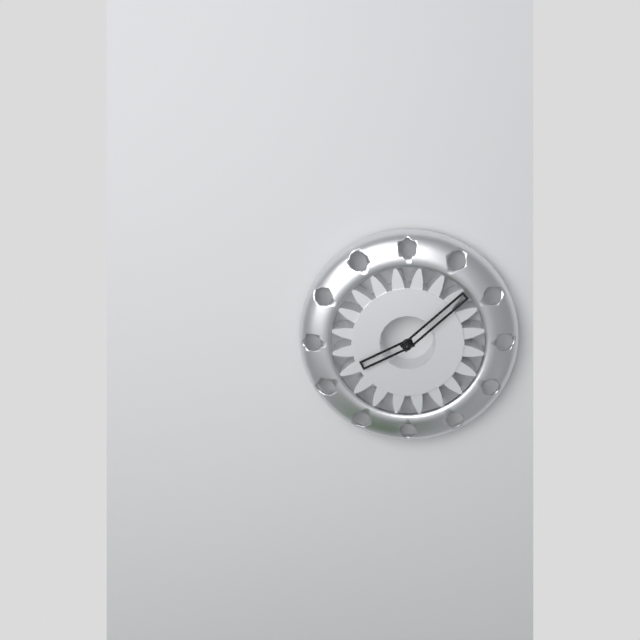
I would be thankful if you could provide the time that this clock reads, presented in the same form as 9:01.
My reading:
8:08
